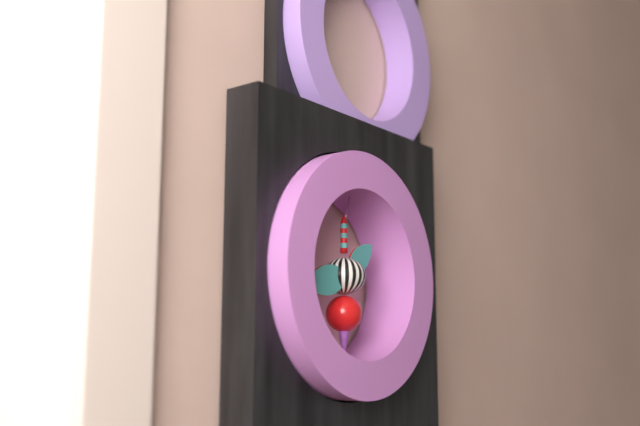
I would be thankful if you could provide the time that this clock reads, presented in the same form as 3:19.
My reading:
1:43
